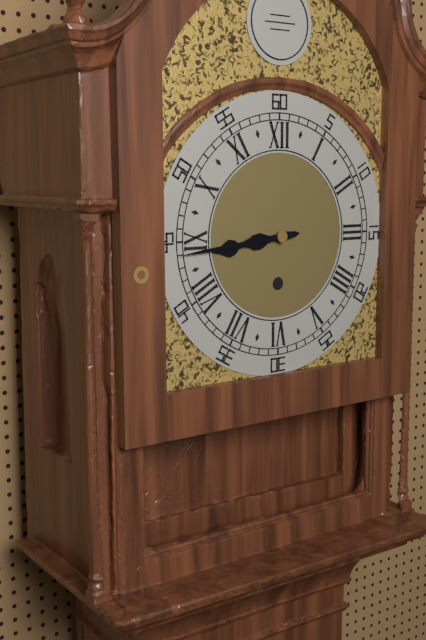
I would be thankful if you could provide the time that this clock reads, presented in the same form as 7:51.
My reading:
8:44
